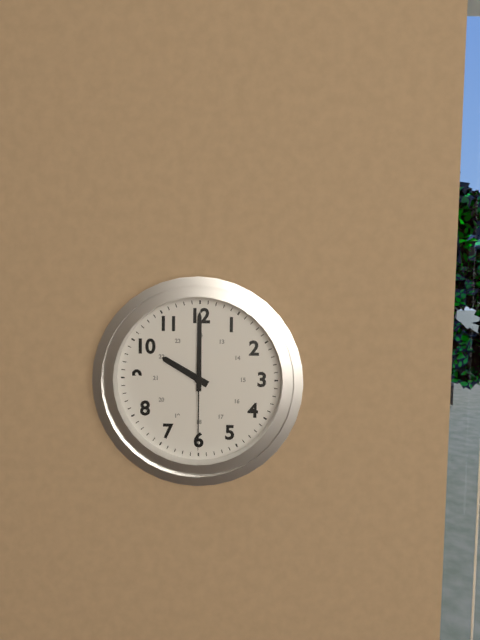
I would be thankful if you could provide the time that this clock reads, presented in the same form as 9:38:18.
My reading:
10:00:30
